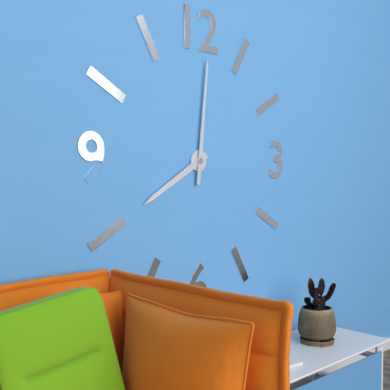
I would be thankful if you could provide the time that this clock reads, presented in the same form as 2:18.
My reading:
8:01
